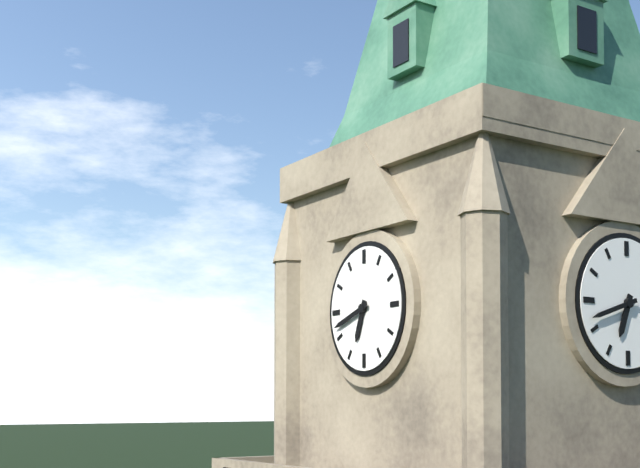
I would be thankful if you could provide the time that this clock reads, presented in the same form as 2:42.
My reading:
6:42
